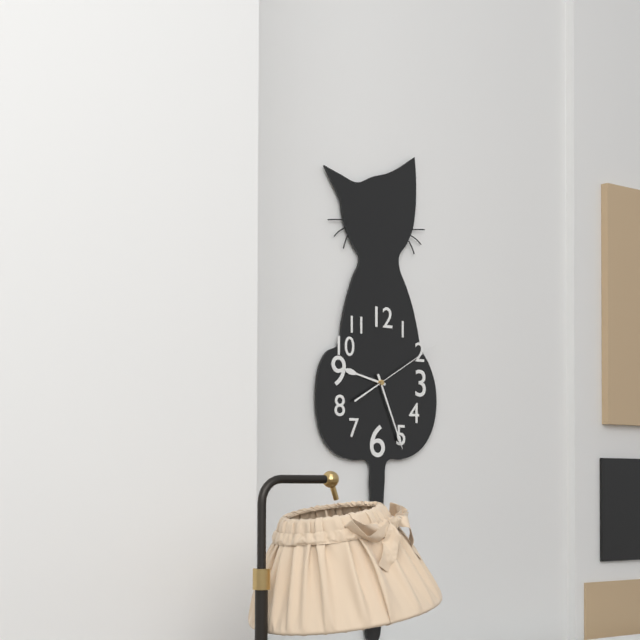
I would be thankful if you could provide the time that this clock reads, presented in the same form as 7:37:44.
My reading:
9:26:10
